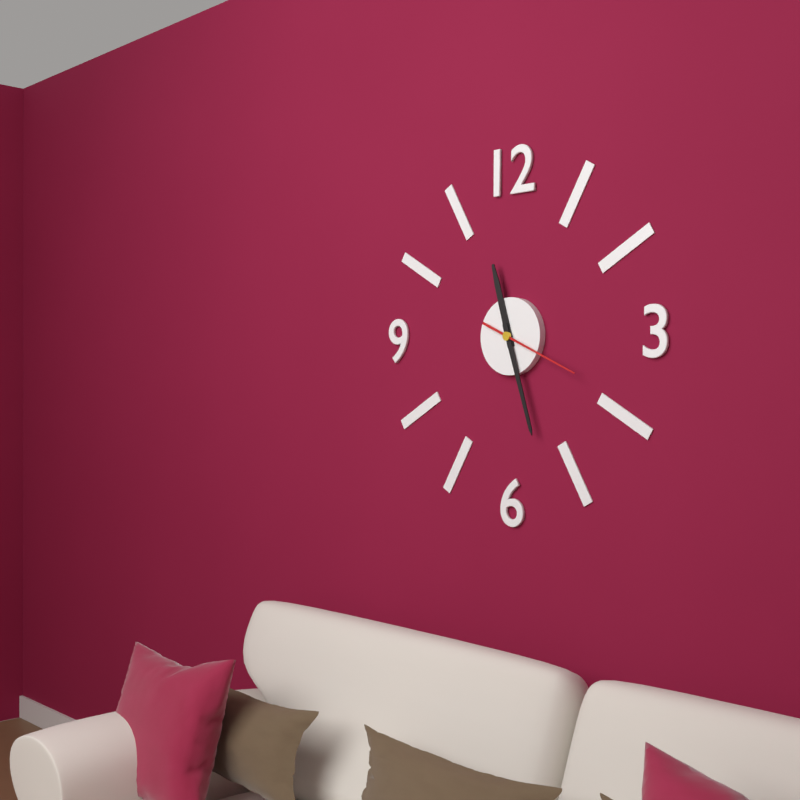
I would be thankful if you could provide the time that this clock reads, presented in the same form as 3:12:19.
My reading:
11:27:19
